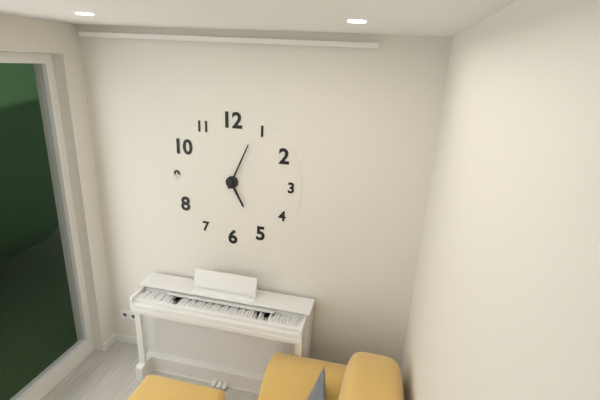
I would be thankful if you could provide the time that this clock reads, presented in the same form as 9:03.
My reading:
5:04
